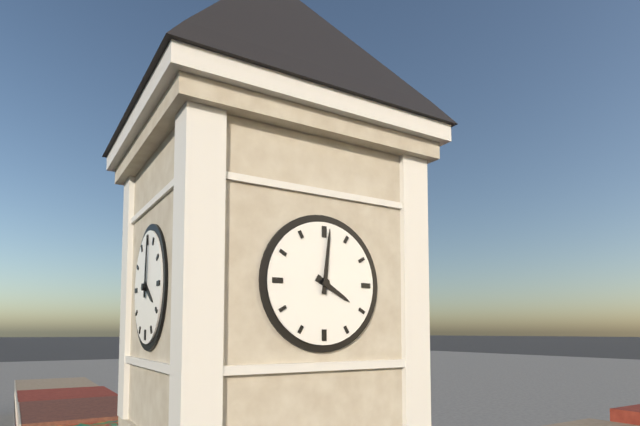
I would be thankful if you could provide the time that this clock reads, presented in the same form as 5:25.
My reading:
4:01
